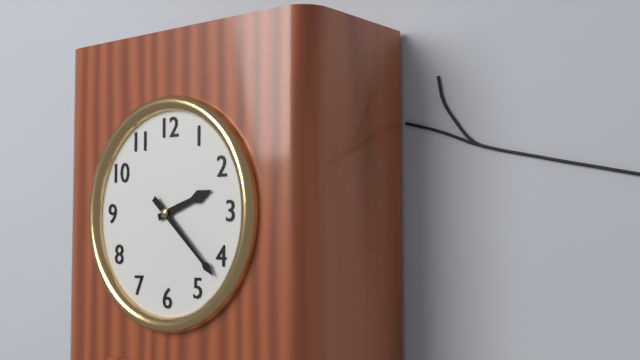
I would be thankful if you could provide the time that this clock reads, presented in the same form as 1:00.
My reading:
2:22
